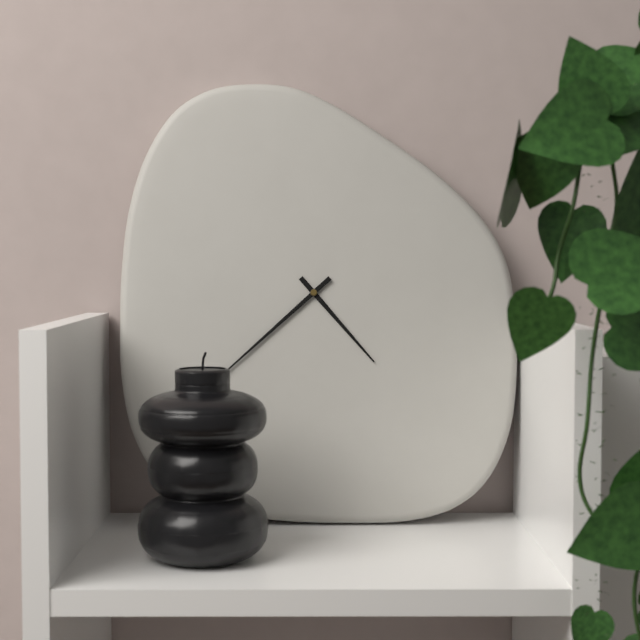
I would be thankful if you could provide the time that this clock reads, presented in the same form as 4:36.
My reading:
4:38
